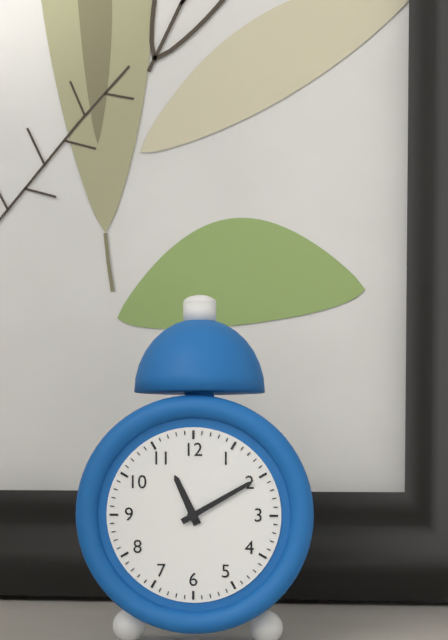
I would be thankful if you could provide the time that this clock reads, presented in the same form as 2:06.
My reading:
11:10
